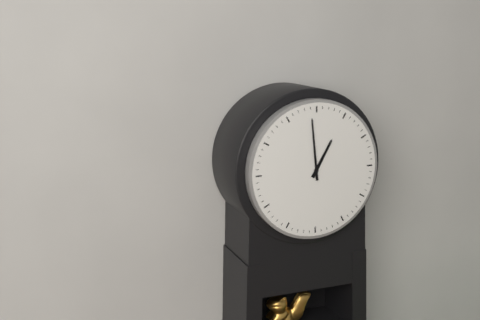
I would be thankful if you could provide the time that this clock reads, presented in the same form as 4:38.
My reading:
12:59
